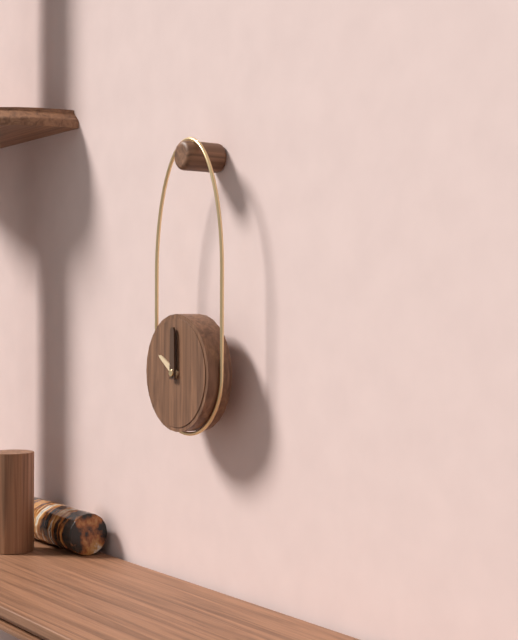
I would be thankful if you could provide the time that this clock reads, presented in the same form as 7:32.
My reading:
10:00
